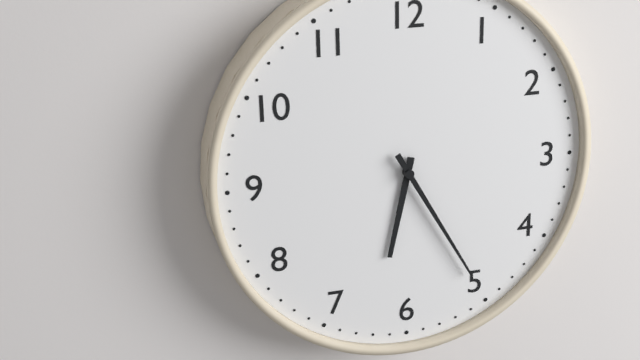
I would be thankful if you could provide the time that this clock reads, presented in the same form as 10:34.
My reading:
6:25
